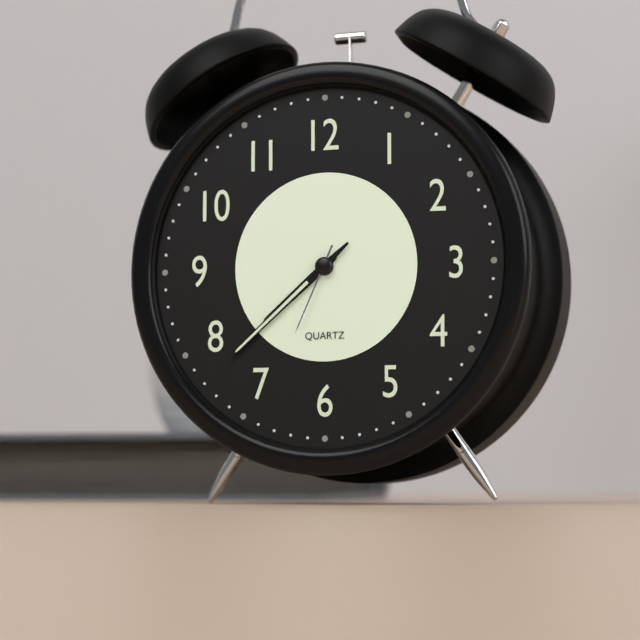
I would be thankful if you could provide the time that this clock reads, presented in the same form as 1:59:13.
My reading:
7:38:34
